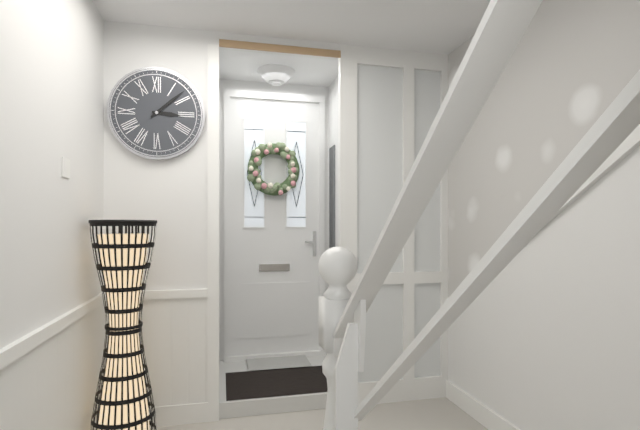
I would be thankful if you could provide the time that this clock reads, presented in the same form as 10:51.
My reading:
3:08
